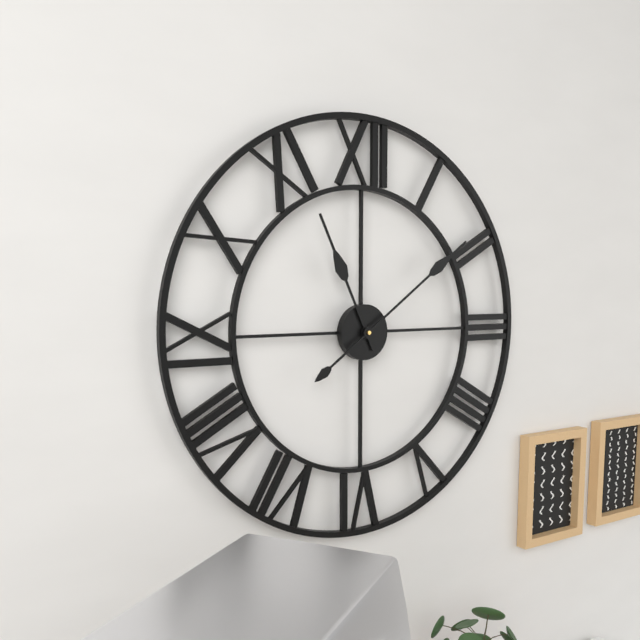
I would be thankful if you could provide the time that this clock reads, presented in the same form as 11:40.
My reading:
11:09
